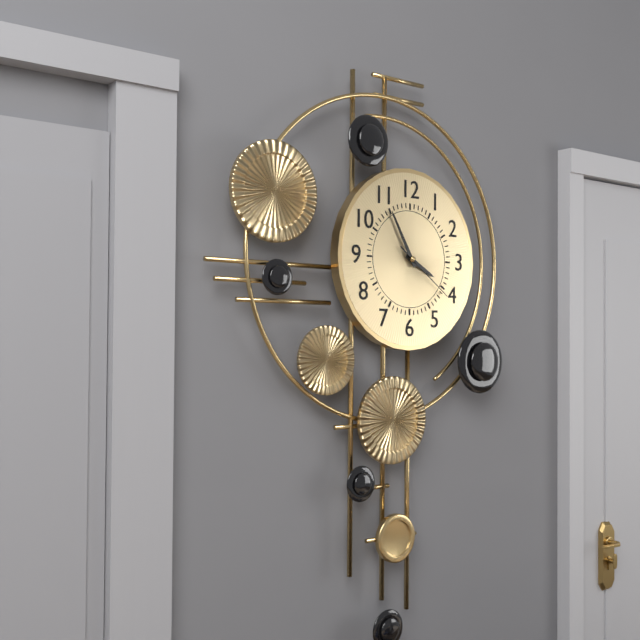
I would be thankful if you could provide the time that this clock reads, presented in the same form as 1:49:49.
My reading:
3:55:21
